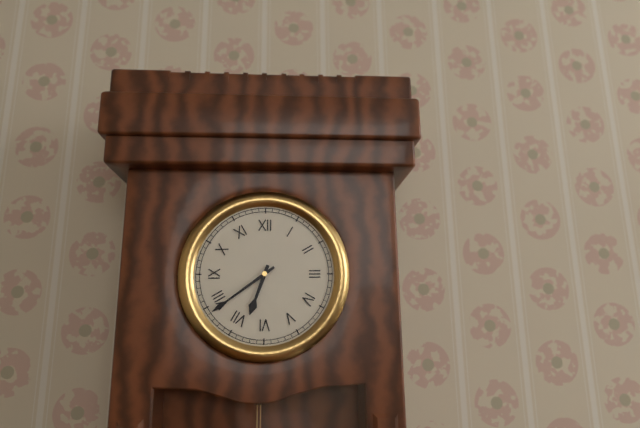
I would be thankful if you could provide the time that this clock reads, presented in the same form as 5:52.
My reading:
6:39
